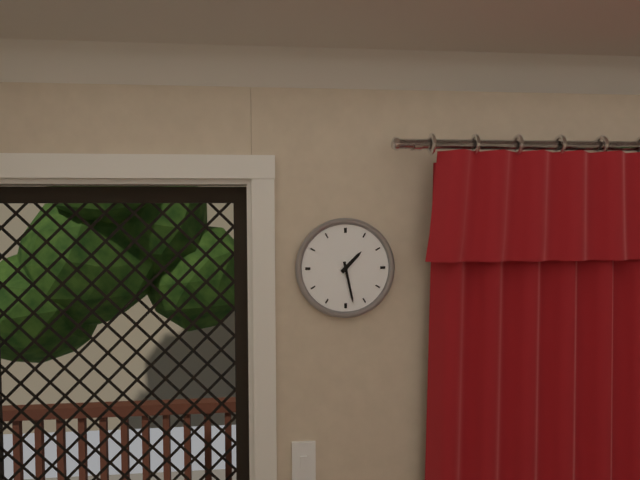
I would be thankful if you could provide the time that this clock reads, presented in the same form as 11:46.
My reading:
1:28
